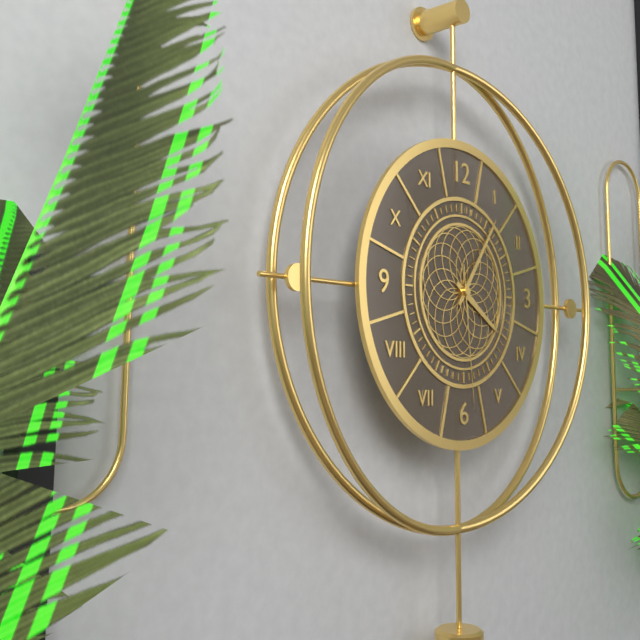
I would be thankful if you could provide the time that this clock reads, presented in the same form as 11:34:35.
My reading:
4:06:29
